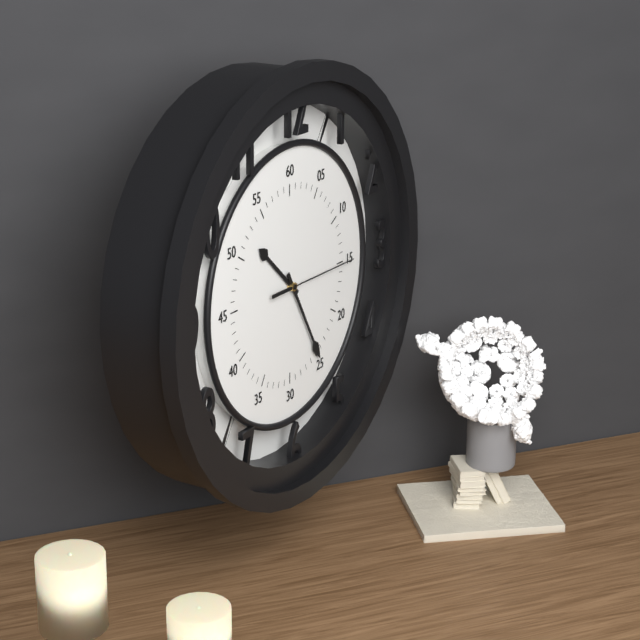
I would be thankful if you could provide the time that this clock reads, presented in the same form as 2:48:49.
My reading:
10:25:15
